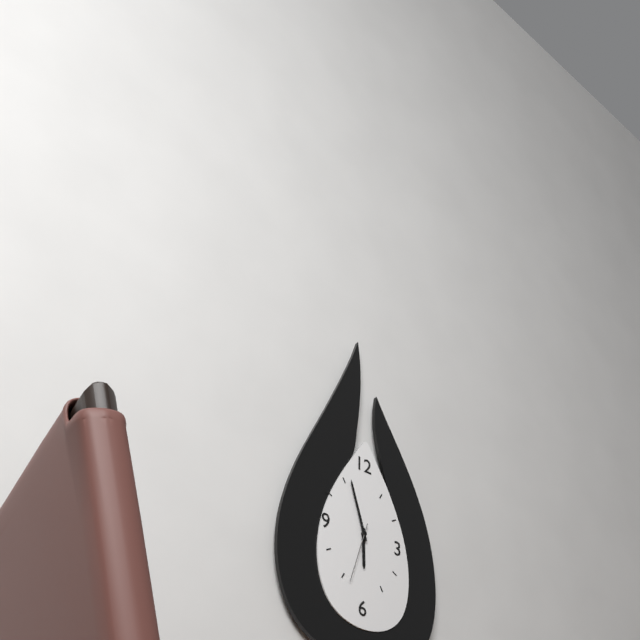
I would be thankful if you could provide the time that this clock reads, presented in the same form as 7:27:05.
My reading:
5:57:33
